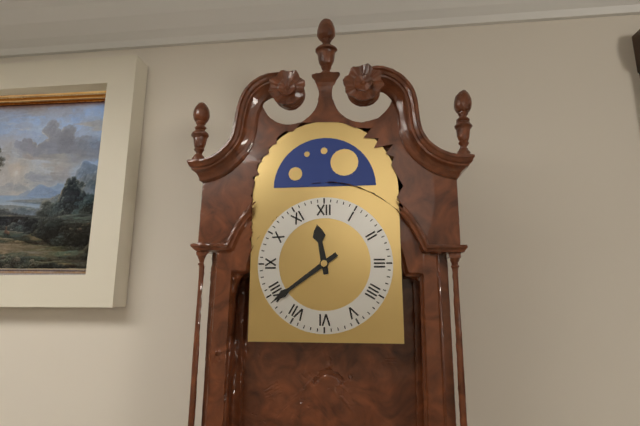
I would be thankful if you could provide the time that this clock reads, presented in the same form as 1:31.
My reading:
11:39
